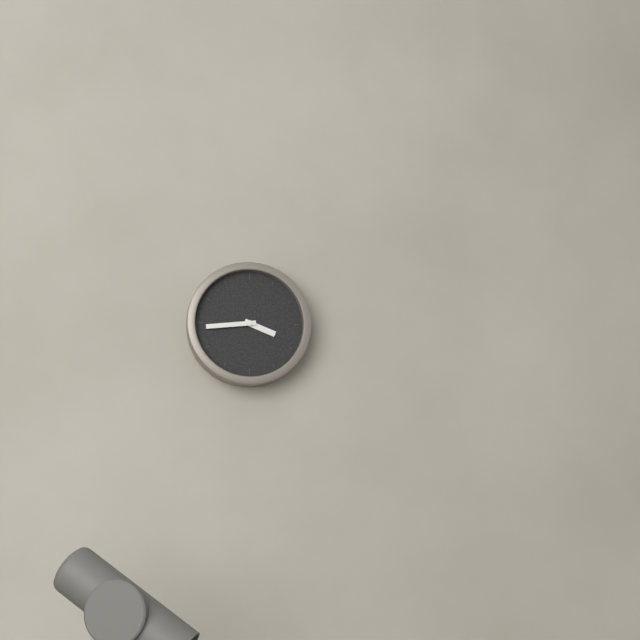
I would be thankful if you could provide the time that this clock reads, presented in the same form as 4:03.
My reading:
3:44
